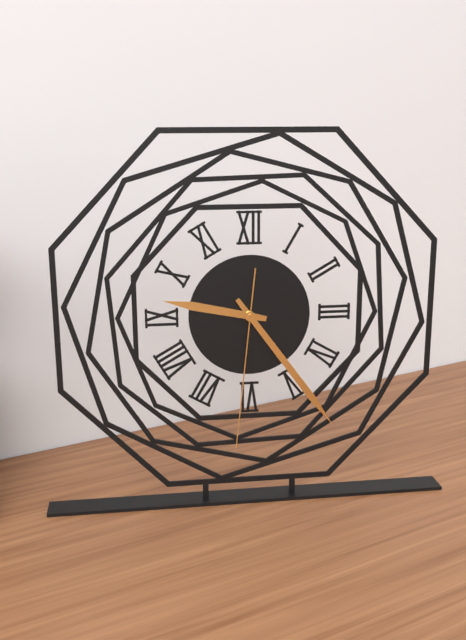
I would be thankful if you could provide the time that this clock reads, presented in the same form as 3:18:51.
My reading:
9:24:31
